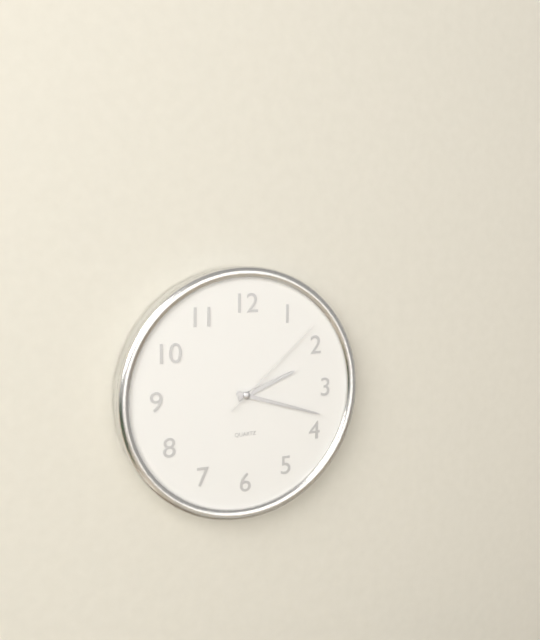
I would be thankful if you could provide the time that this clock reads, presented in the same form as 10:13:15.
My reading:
2:18:08
